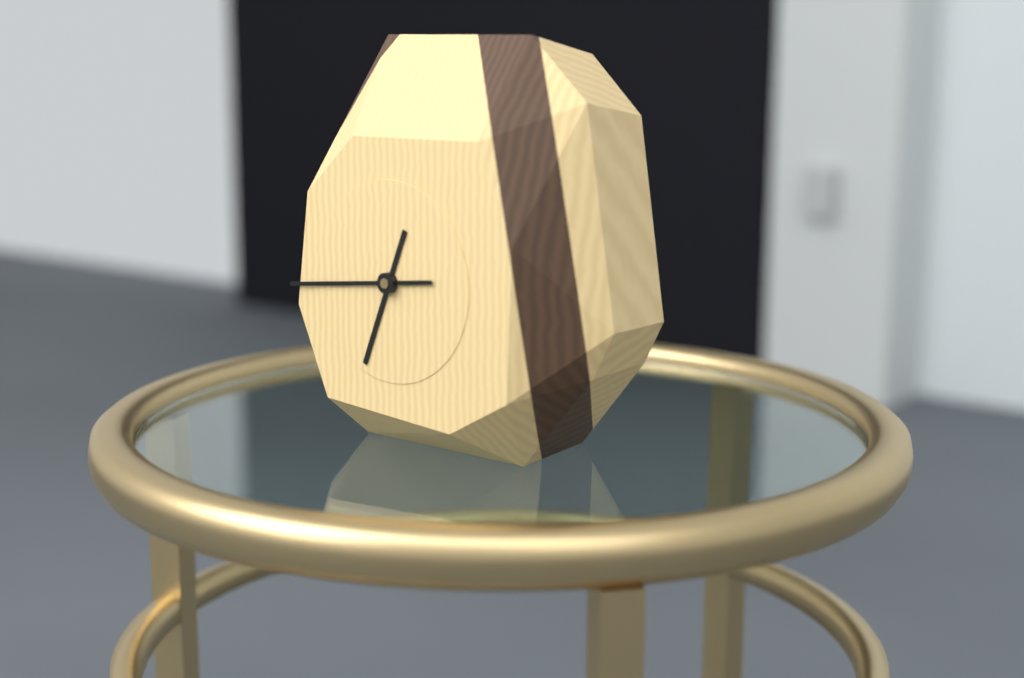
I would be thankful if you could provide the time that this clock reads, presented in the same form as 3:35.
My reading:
6:44
